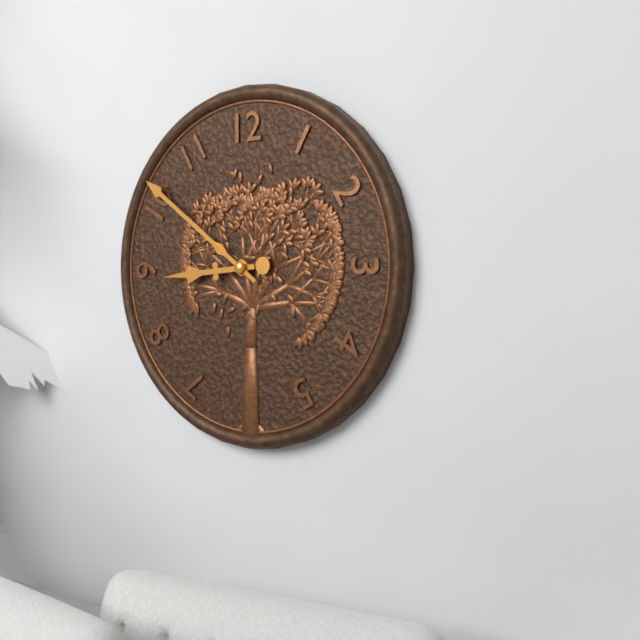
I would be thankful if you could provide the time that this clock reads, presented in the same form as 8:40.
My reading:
8:51
